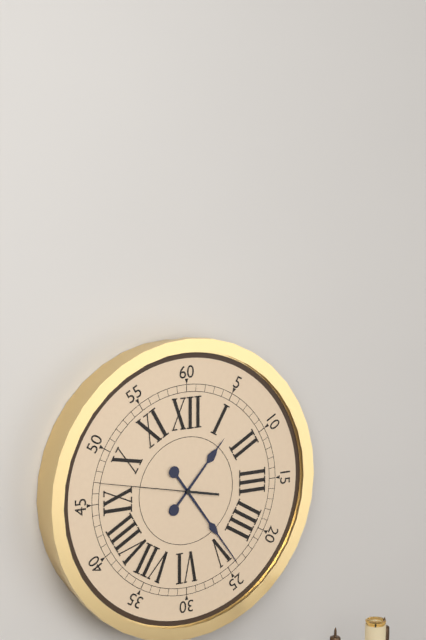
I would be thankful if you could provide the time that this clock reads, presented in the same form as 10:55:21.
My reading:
1:24:47
